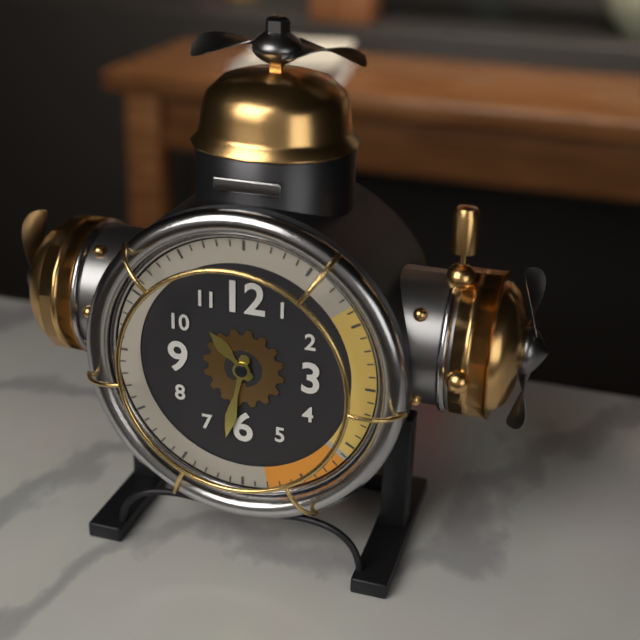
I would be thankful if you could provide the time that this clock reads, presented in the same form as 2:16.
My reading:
10:32
